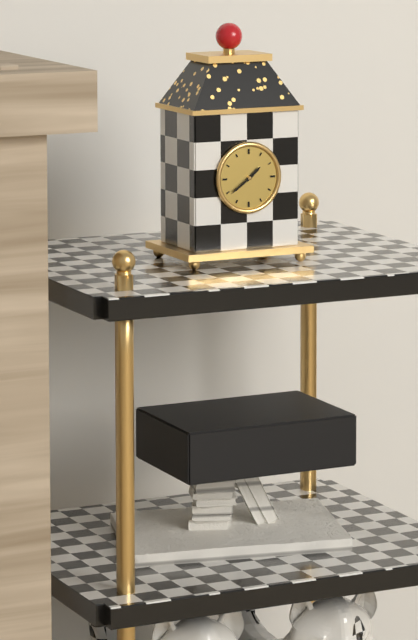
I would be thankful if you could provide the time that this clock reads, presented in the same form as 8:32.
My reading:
1:39
